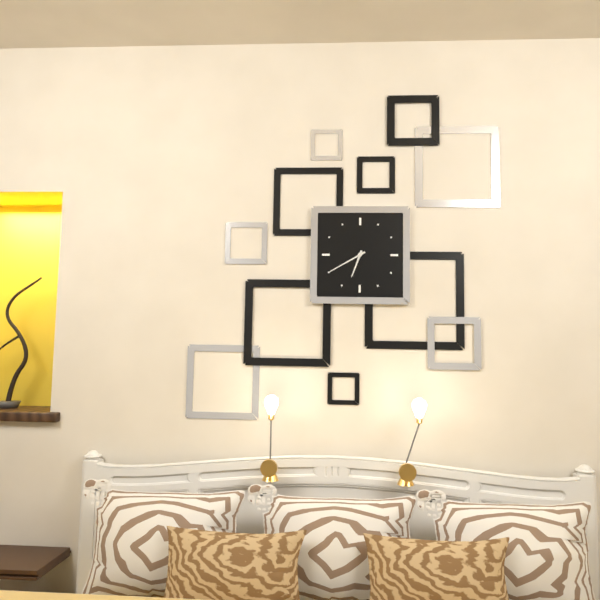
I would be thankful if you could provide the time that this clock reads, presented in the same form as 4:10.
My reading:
6:40
